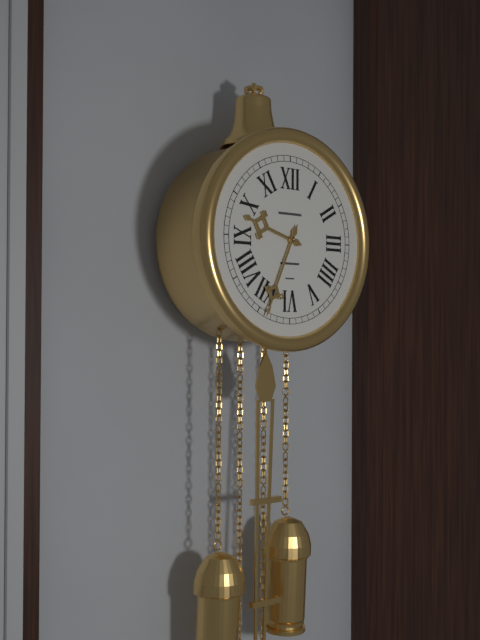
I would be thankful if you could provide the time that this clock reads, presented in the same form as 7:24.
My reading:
9:34
